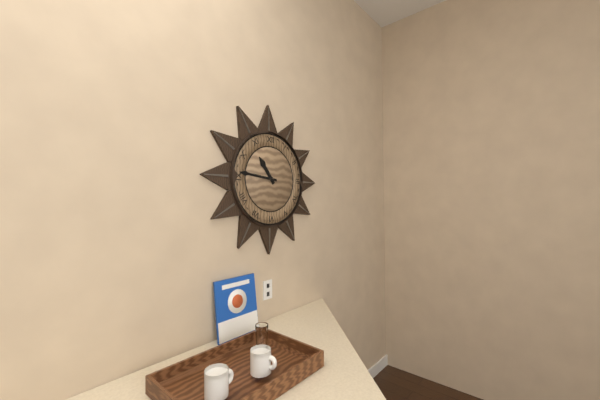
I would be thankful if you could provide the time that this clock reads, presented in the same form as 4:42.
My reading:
10:46
